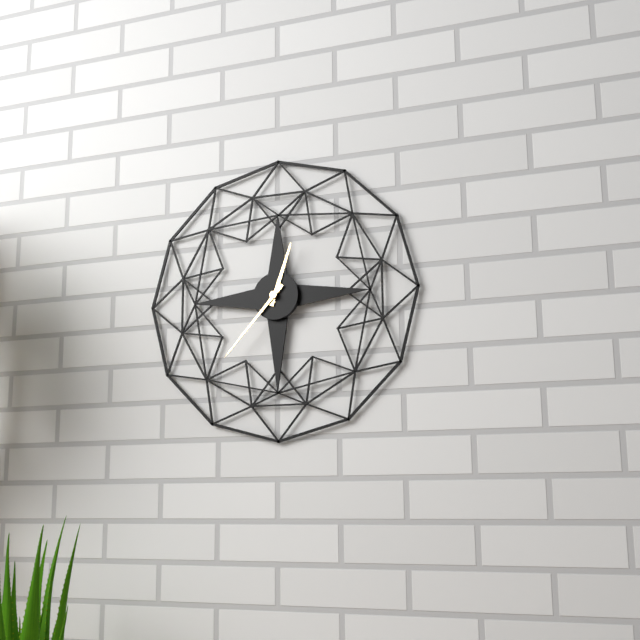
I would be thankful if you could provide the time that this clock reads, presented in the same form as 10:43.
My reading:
12:37
